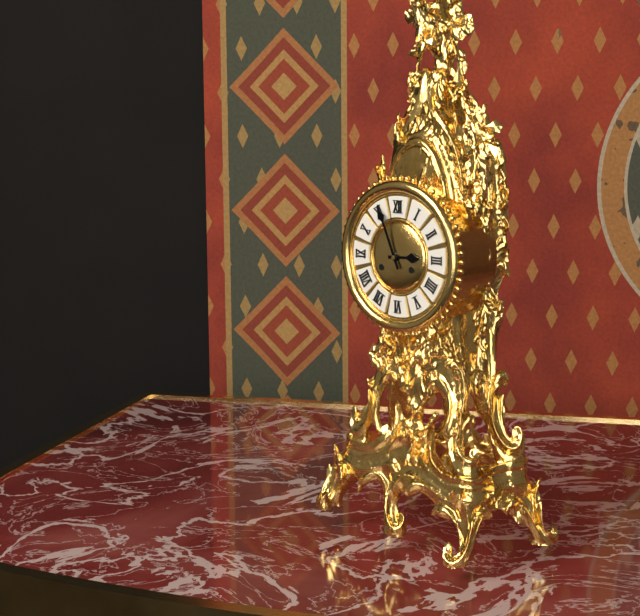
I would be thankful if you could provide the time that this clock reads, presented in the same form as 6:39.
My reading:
2:56
